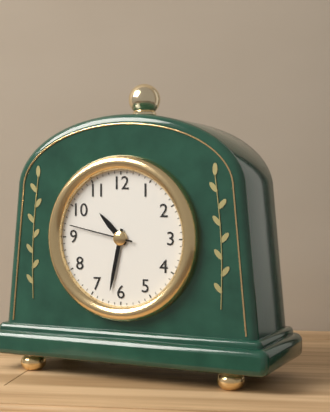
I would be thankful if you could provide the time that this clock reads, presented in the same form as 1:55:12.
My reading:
10:32:47
